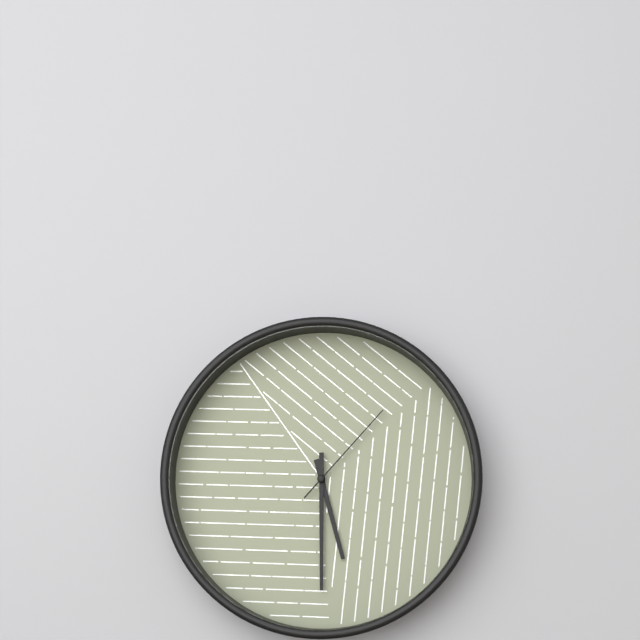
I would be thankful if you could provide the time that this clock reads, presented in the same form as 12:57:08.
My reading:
5:30:07
